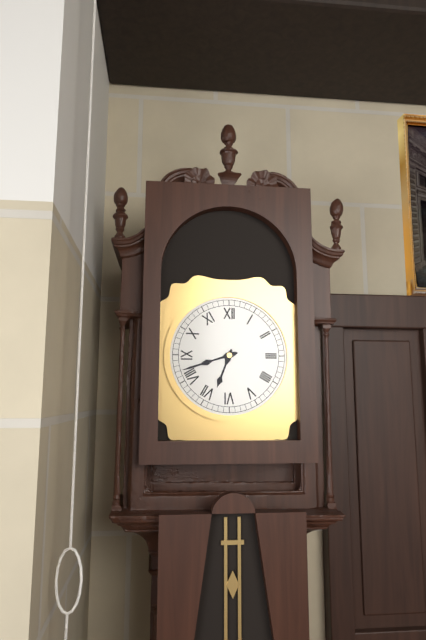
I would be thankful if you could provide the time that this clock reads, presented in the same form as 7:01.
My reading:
6:42
